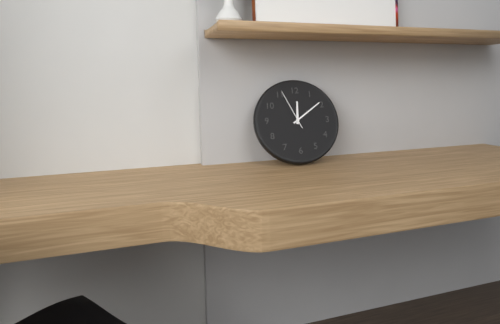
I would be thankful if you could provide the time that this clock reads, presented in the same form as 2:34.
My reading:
12:09
